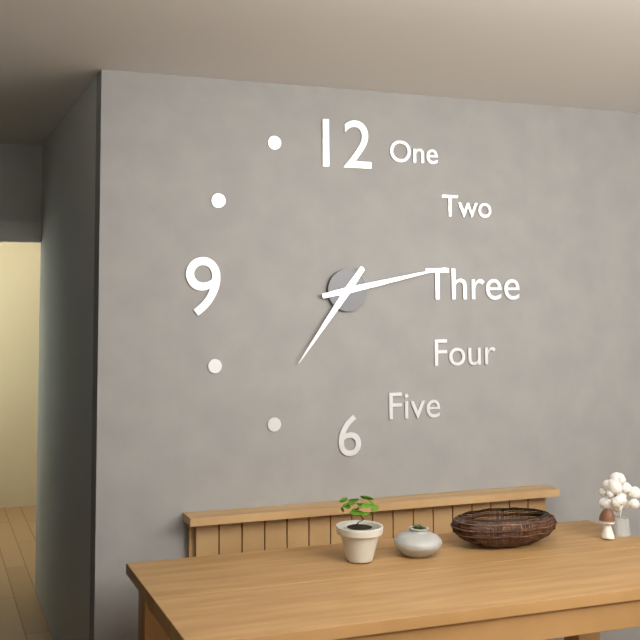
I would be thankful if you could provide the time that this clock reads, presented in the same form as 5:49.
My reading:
7:13
